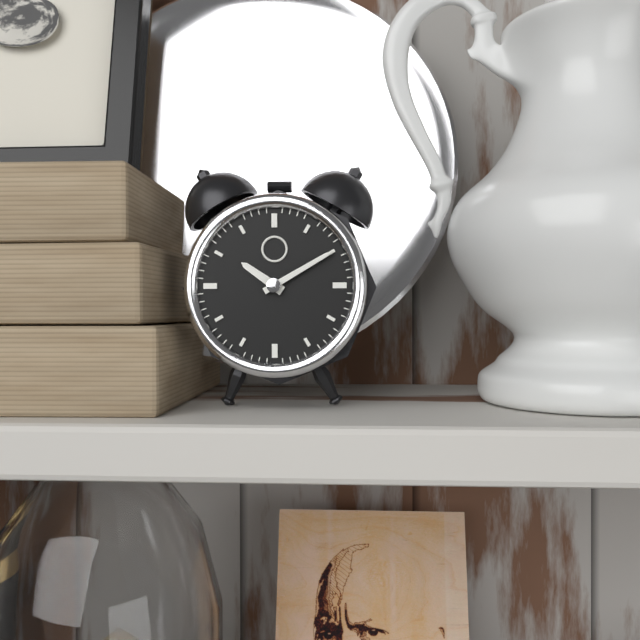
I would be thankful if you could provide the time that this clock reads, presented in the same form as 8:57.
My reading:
10:10
